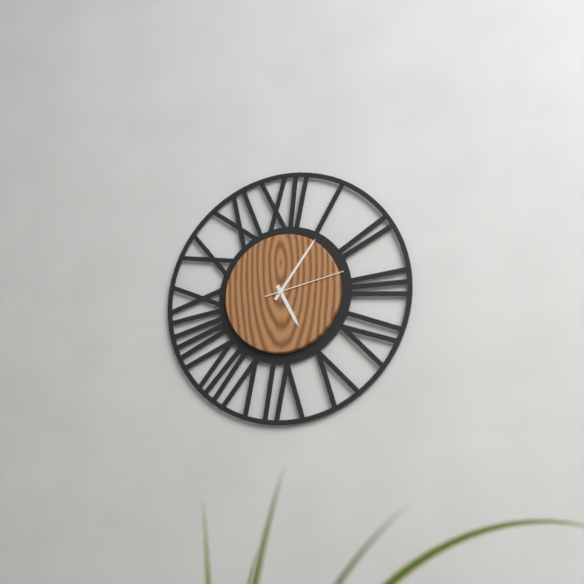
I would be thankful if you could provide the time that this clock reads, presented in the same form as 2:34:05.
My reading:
5:06:13
